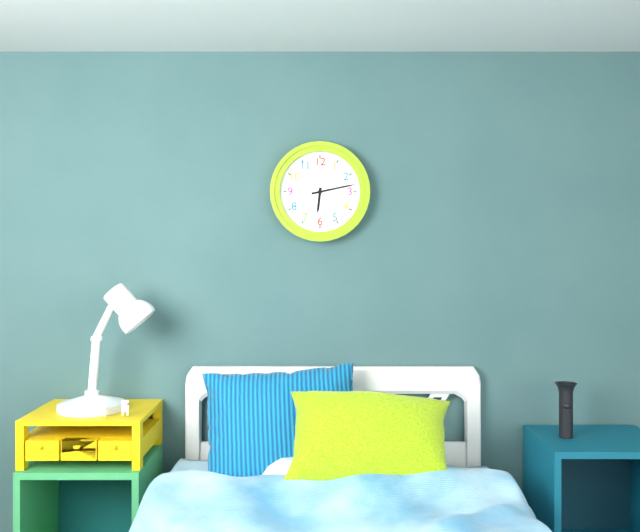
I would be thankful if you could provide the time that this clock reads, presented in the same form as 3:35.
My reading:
6:13
